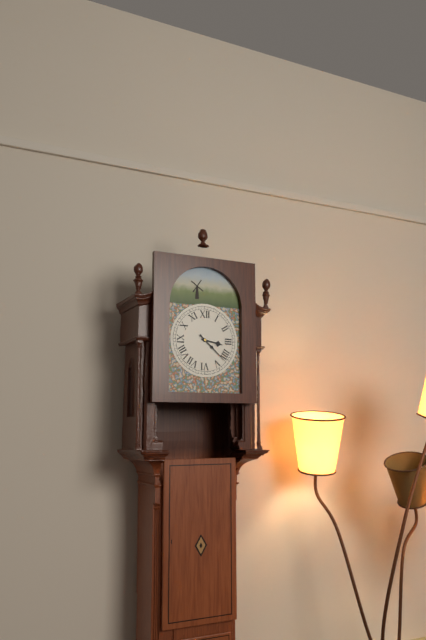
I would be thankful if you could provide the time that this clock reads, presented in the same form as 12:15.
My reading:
3:22
